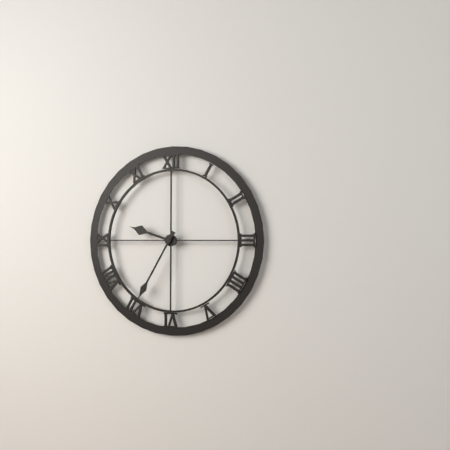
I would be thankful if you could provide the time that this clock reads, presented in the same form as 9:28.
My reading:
9:35
